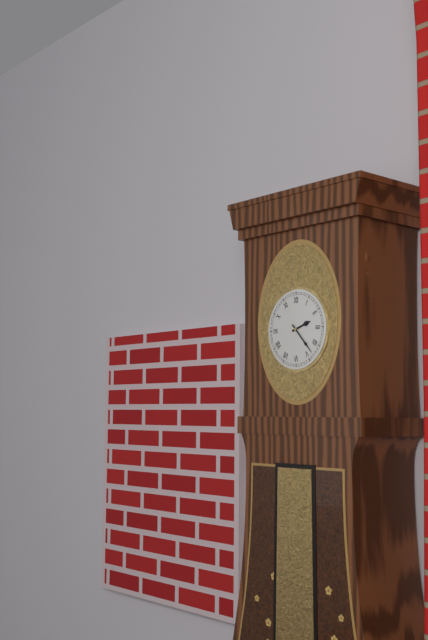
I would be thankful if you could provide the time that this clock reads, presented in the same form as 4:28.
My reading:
2:23
